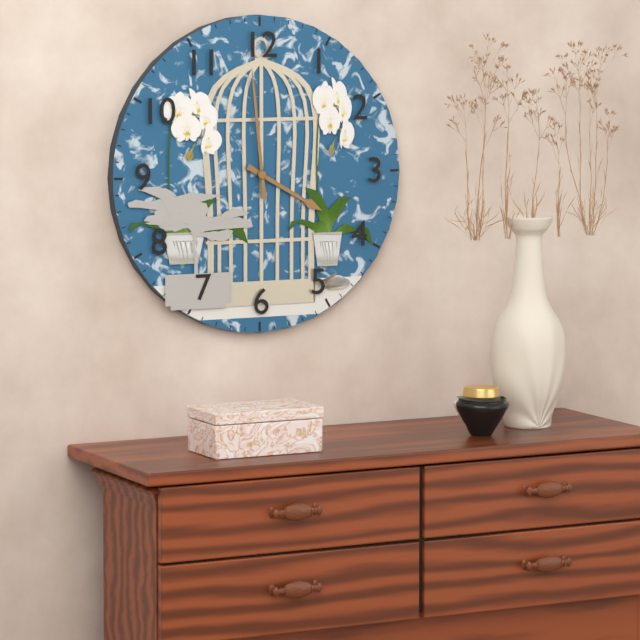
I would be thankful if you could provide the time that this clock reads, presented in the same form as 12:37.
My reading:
3:59
